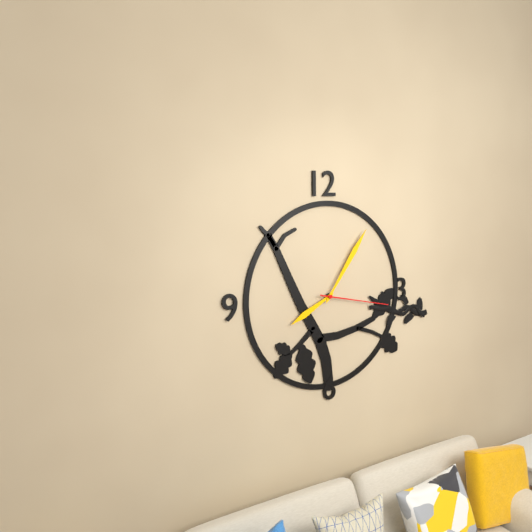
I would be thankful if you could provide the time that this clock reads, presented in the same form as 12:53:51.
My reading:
8:06:17
